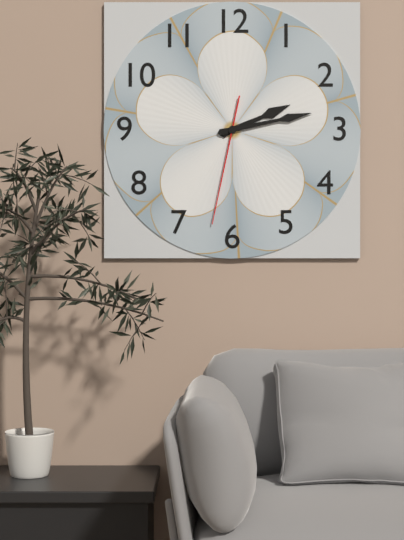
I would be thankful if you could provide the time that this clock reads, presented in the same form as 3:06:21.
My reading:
2:13:32
